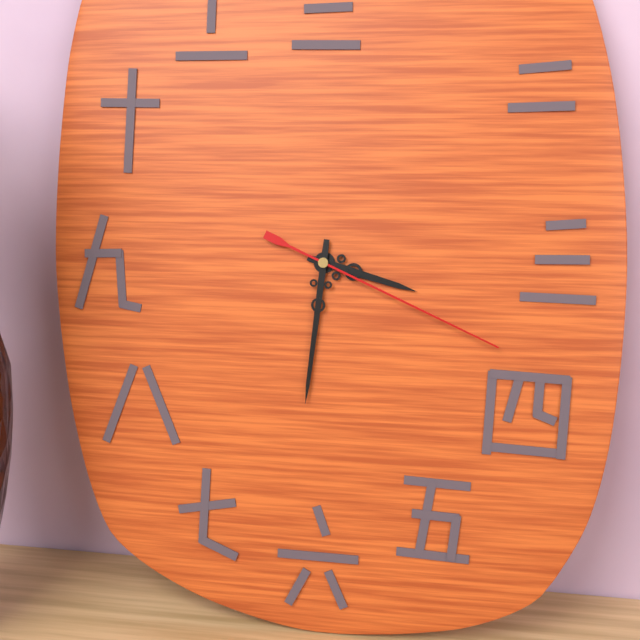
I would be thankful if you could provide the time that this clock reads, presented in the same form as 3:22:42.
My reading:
3:31:19
